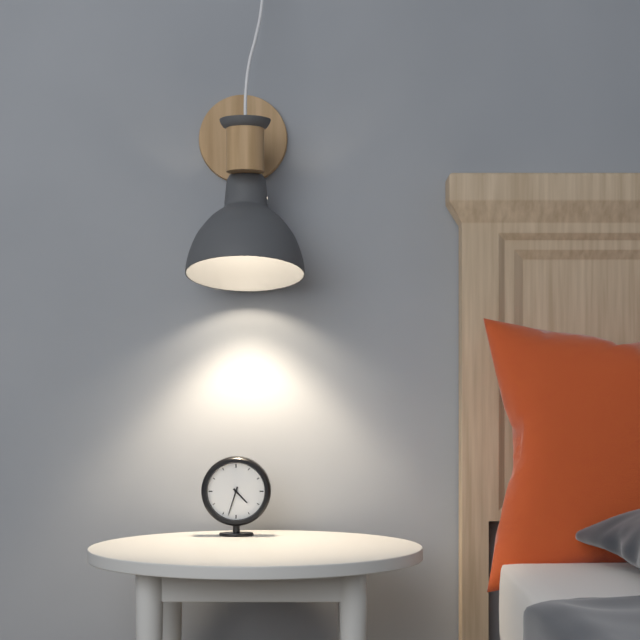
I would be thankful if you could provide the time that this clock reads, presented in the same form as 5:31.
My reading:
4:33
